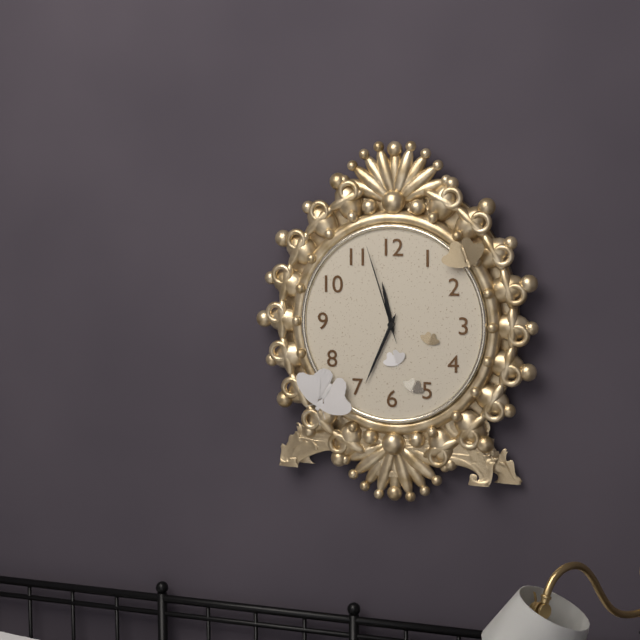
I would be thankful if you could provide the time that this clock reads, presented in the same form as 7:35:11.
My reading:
11:34:57
